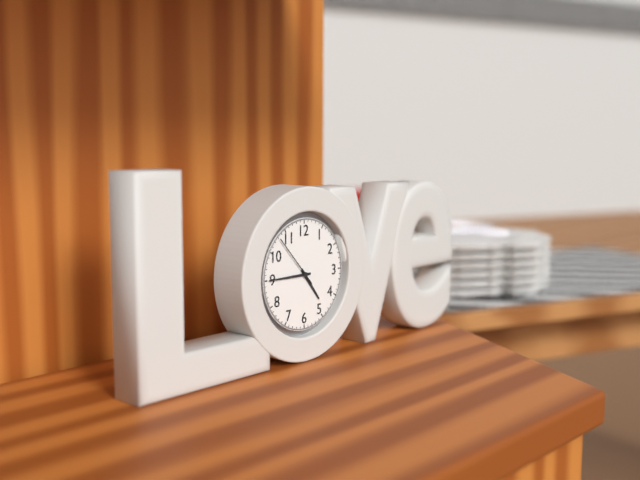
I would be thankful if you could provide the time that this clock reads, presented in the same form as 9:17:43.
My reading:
4:45:53
